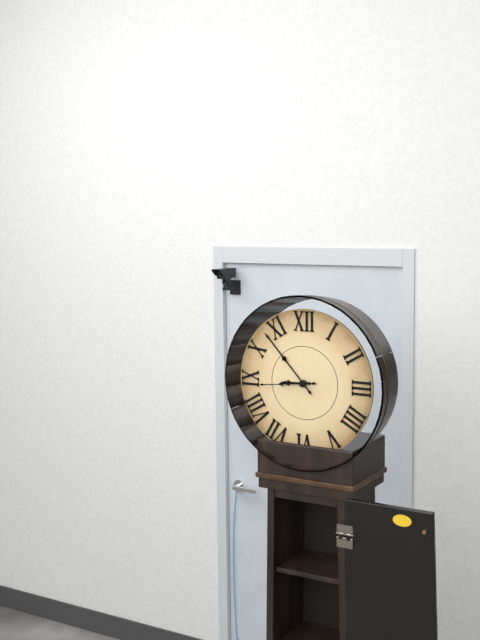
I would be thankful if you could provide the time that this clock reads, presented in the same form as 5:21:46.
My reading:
8:53:44
